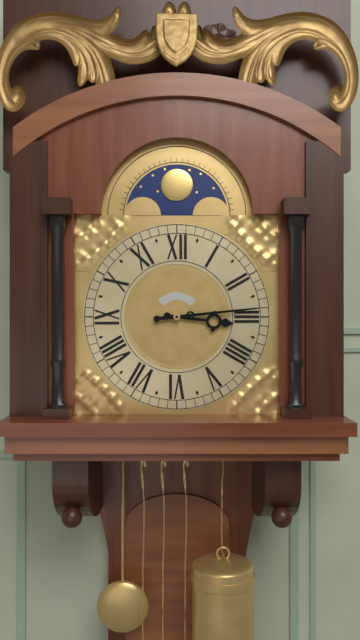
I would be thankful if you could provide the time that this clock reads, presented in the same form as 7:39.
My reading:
3:14
